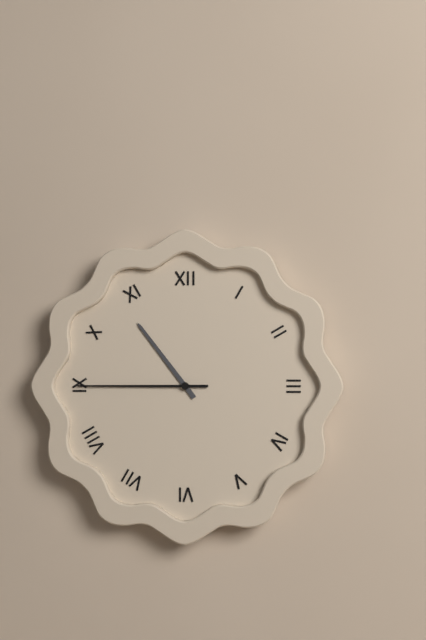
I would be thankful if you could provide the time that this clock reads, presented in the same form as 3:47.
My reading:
10:45
